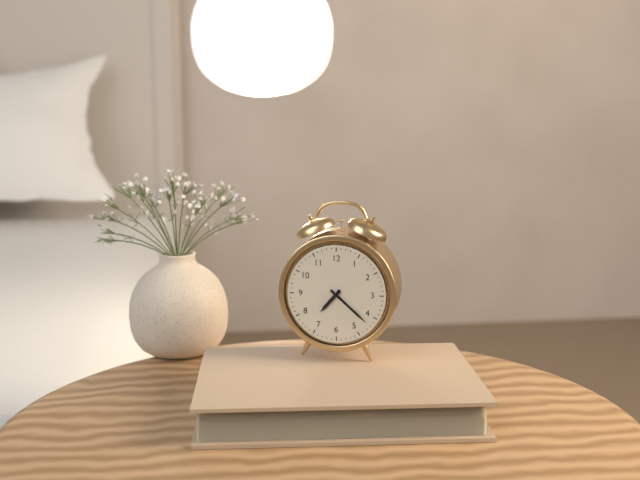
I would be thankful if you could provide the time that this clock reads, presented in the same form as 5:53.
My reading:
7:22
